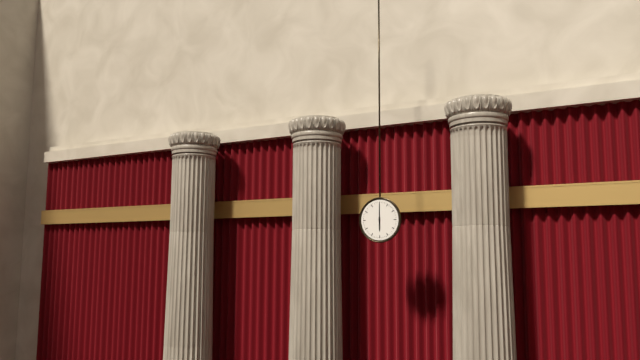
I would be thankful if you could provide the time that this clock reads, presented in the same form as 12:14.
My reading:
6:00
